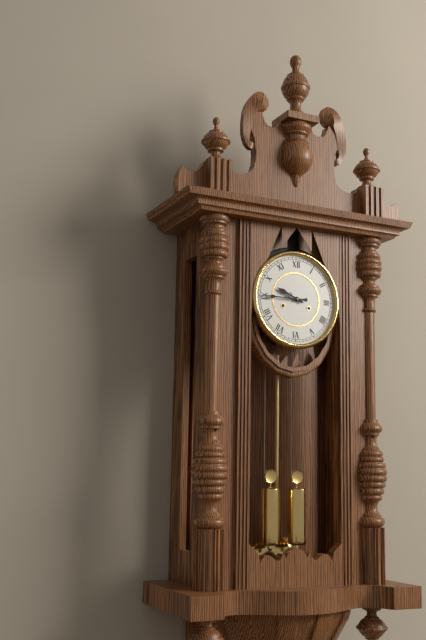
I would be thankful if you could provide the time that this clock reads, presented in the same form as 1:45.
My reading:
9:45
